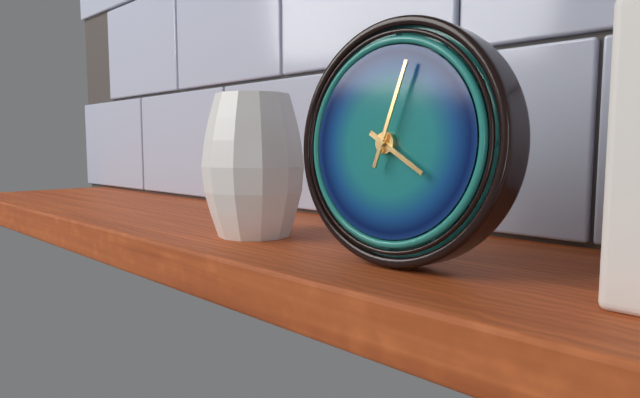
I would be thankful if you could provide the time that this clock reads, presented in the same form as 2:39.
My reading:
4:03
